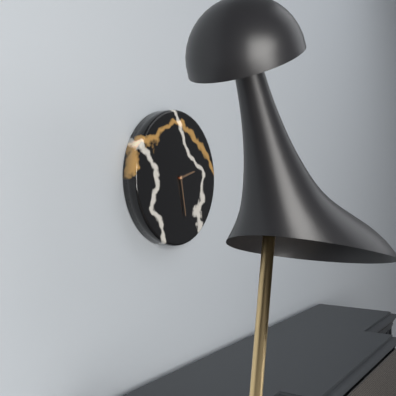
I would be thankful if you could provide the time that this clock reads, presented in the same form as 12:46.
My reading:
2:28
